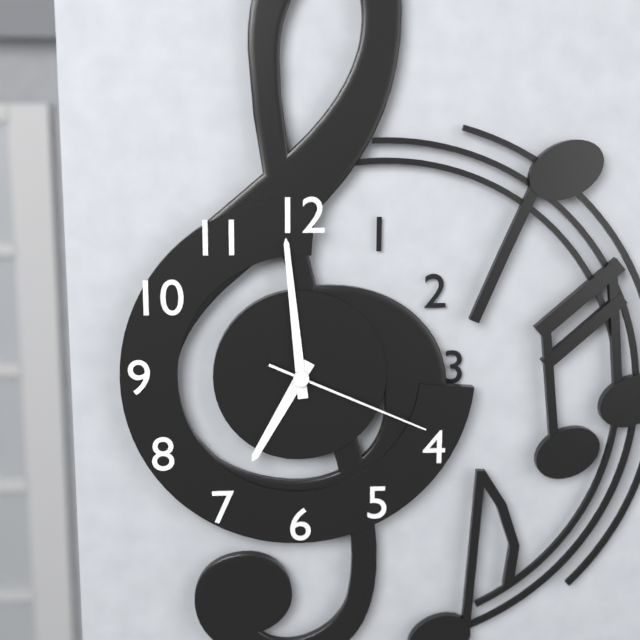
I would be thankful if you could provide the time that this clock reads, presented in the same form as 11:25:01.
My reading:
6:59:19
